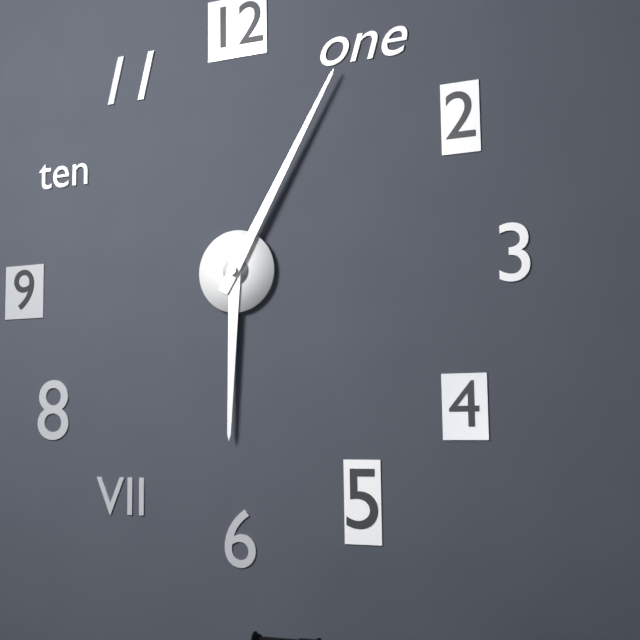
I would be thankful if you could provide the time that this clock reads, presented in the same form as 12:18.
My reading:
6:05
